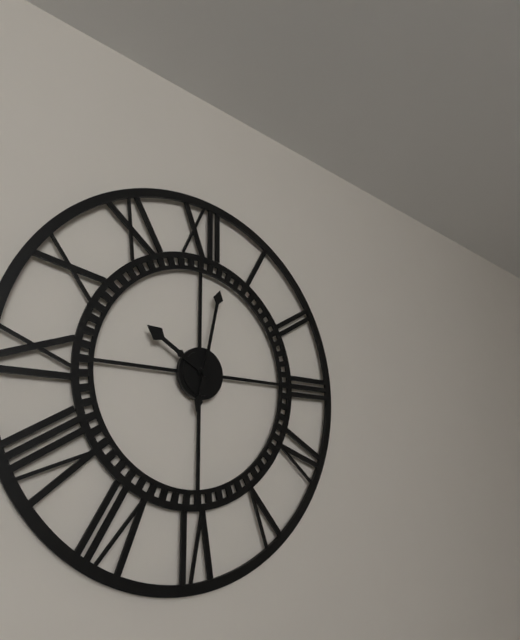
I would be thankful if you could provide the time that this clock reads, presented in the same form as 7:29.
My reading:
10:02
